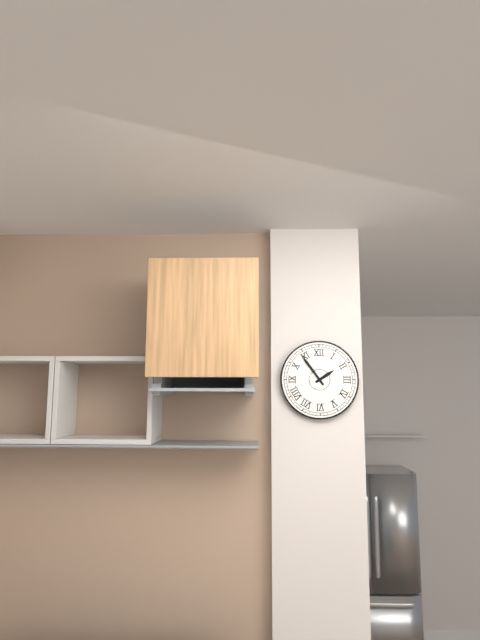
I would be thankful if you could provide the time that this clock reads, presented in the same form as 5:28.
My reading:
1:54
